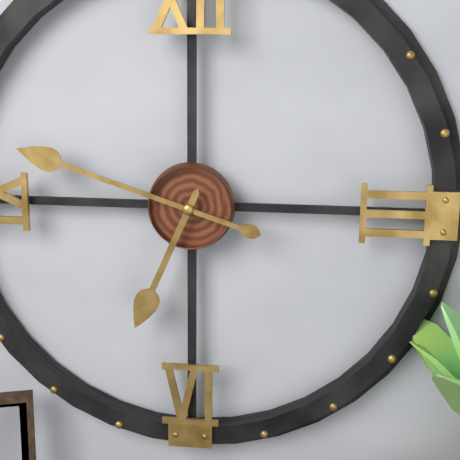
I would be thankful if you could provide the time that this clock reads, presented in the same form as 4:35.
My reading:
6:48
